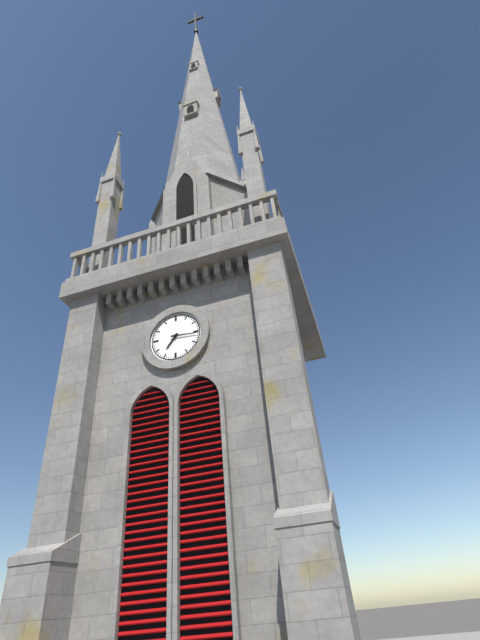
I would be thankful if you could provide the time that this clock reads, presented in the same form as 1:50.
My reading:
7:16
